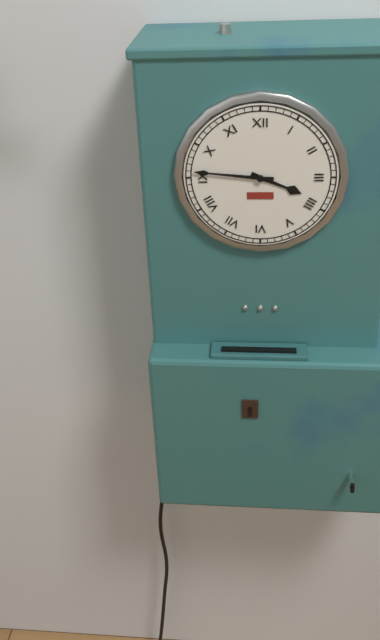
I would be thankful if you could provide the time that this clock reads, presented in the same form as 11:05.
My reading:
3:46
